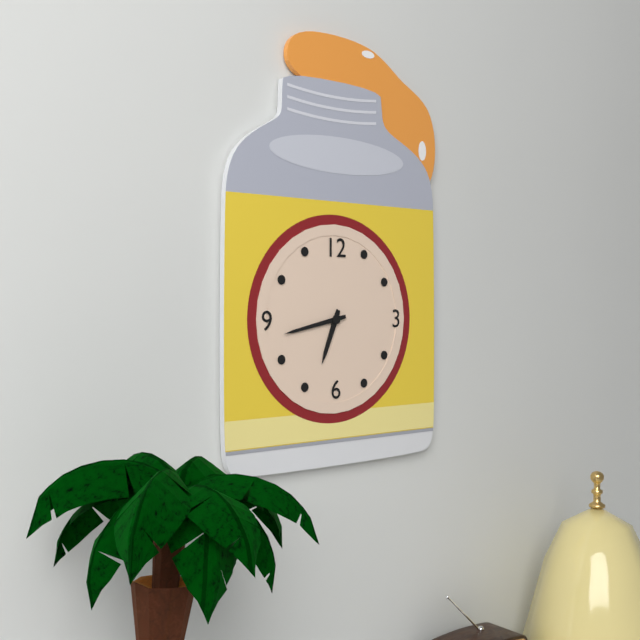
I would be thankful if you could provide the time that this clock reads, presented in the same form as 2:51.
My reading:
6:43
